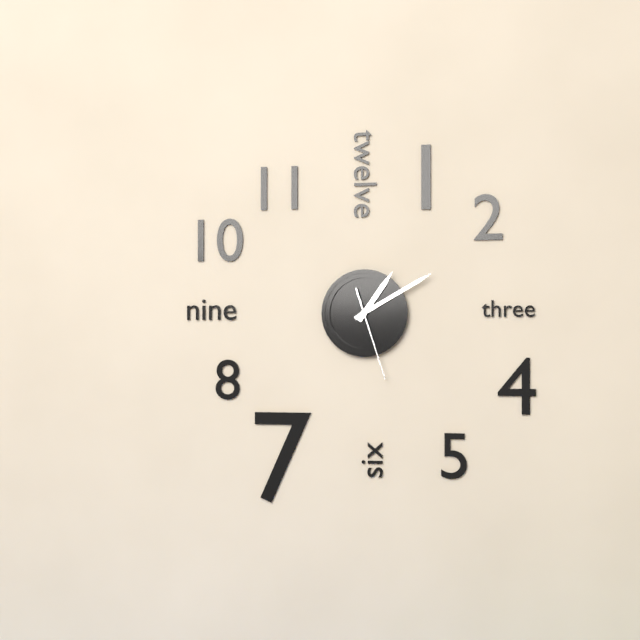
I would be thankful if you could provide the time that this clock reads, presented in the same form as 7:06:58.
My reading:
1:10:27
